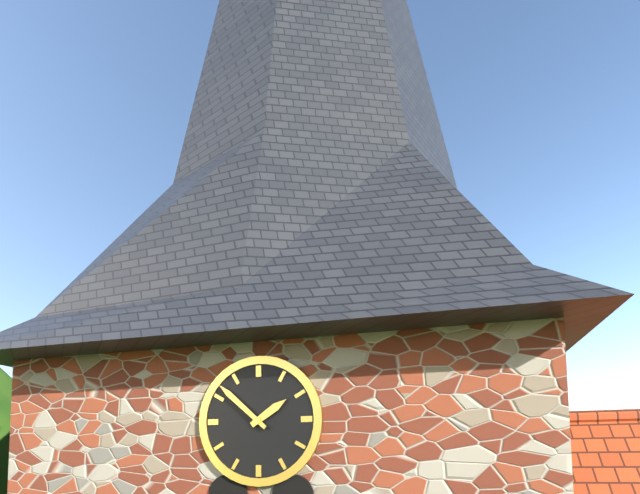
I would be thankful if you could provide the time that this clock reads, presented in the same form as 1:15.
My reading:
1:52
